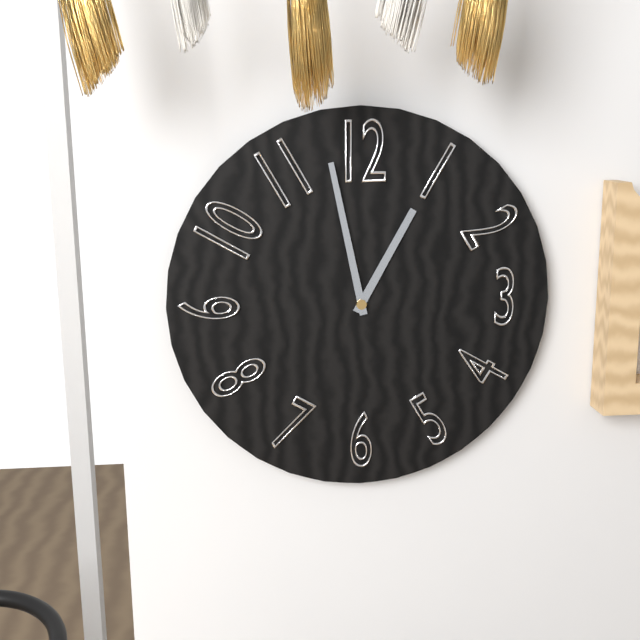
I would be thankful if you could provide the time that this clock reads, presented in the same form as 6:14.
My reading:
12:58
